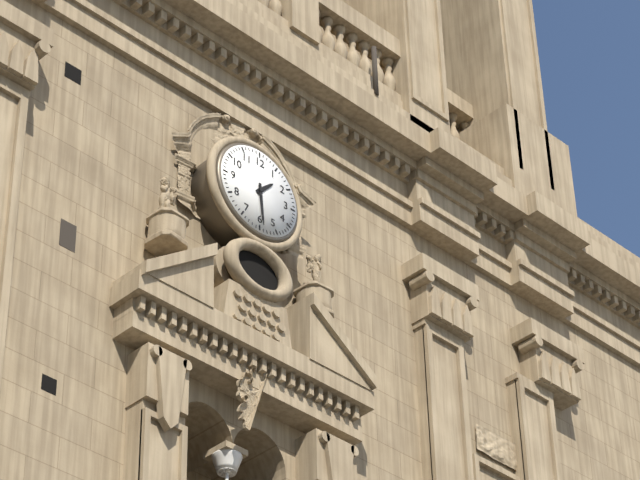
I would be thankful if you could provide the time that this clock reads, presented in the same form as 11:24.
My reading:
1:29
